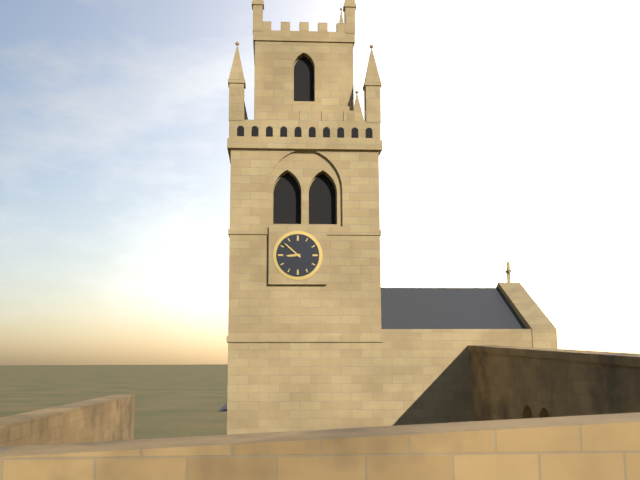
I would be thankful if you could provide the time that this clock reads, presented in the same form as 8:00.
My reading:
8:52
